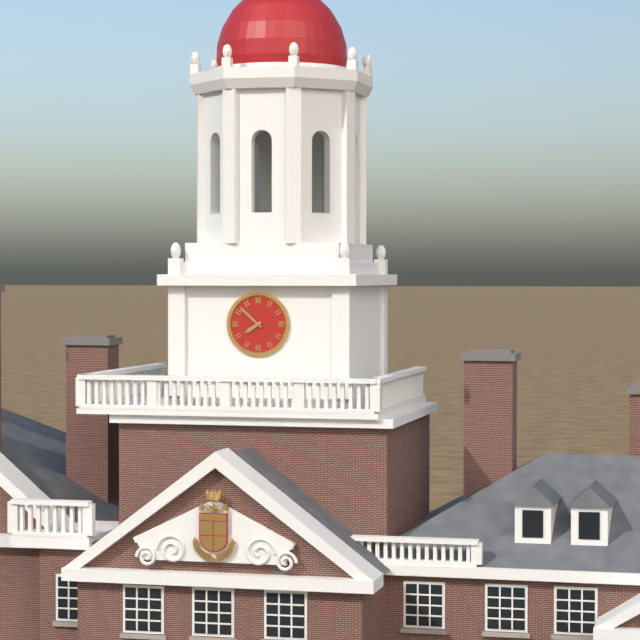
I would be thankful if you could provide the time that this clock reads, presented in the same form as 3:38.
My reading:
7:52
